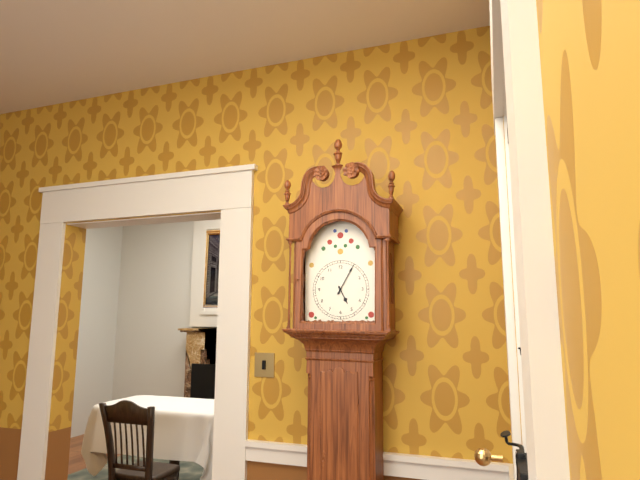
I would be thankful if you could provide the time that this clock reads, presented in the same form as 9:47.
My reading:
5:05
